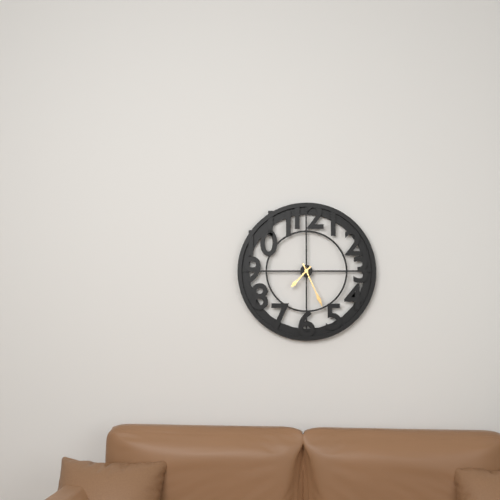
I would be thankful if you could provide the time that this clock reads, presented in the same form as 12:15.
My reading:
7:26
